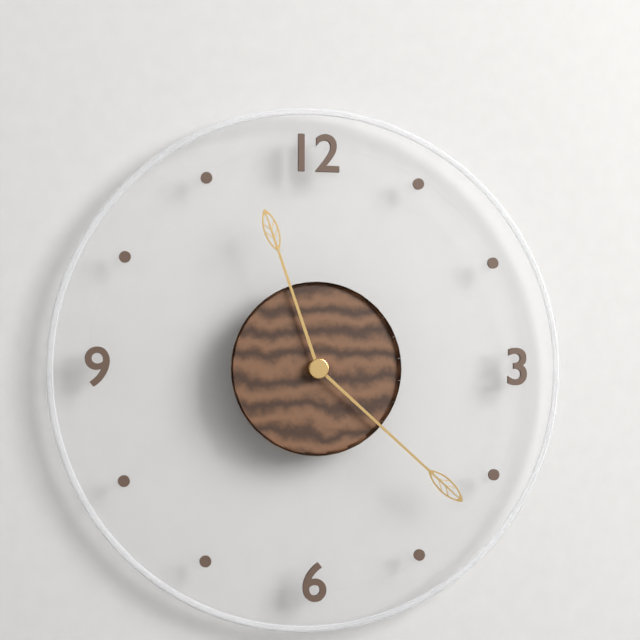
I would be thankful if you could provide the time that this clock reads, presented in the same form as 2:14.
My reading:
11:22
